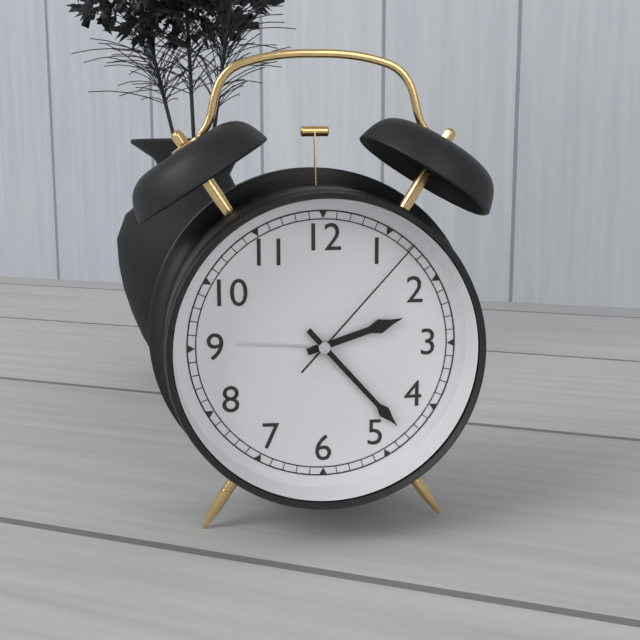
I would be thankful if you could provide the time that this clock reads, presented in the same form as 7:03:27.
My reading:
2:23:07
